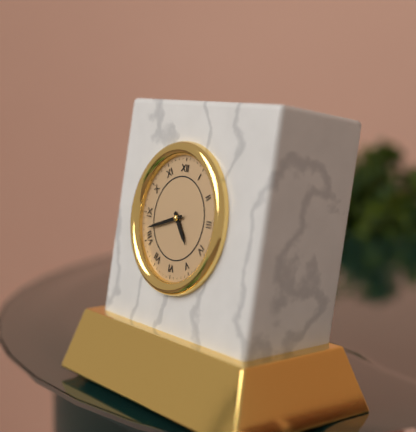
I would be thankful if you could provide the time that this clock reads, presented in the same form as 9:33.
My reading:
4:42
